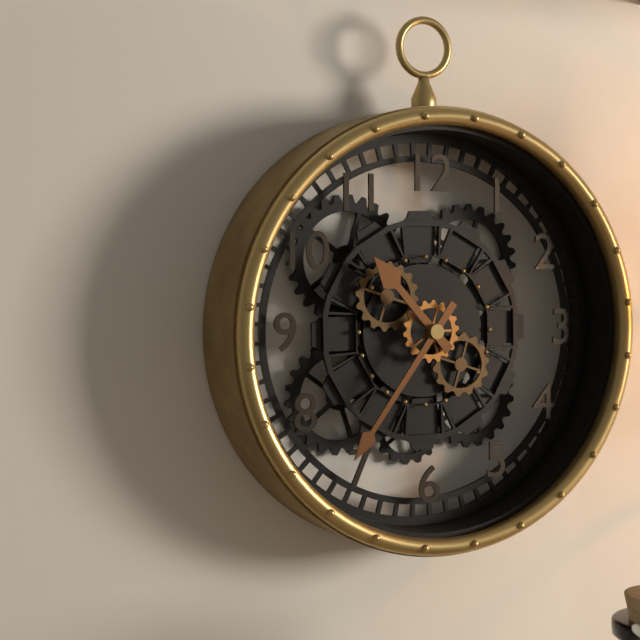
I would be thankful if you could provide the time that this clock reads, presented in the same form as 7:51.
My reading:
10:36
